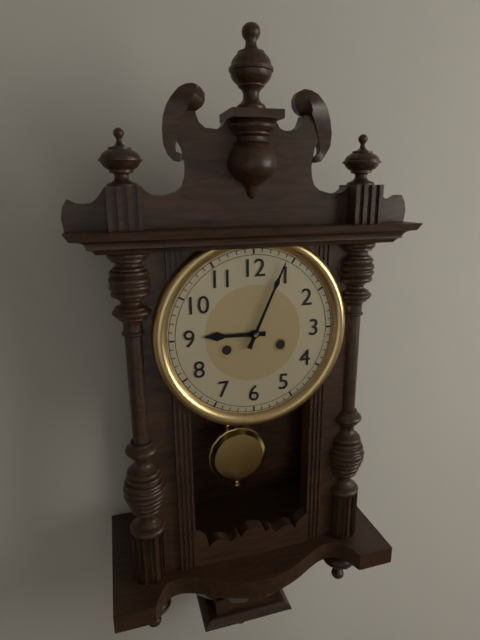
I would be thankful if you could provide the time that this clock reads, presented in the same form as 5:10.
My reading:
9:04
